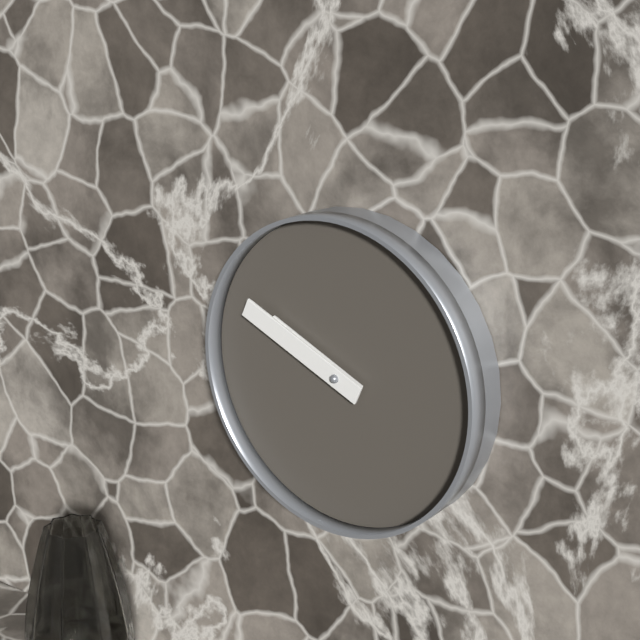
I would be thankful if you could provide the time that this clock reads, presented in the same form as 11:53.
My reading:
9:49
